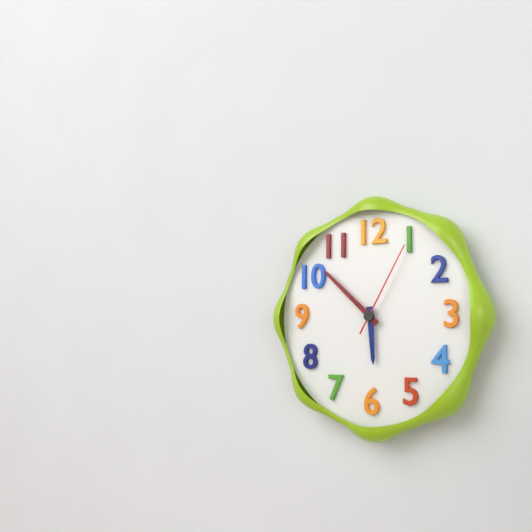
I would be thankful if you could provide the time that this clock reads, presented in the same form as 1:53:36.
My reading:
5:52:05
